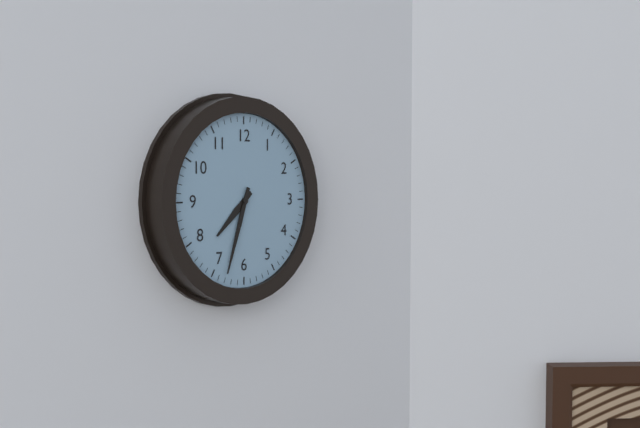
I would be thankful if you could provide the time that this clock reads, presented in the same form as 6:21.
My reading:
7:33
